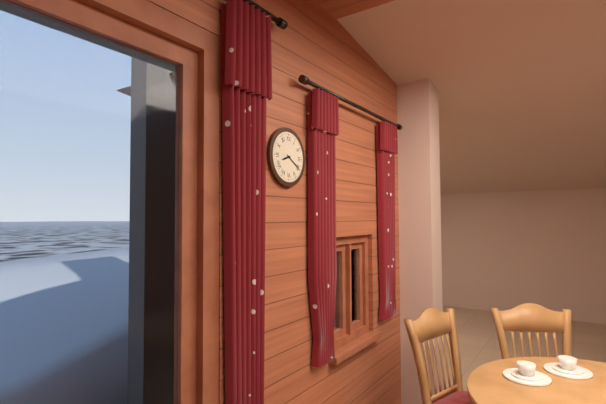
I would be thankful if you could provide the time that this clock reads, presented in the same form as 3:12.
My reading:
8:20
